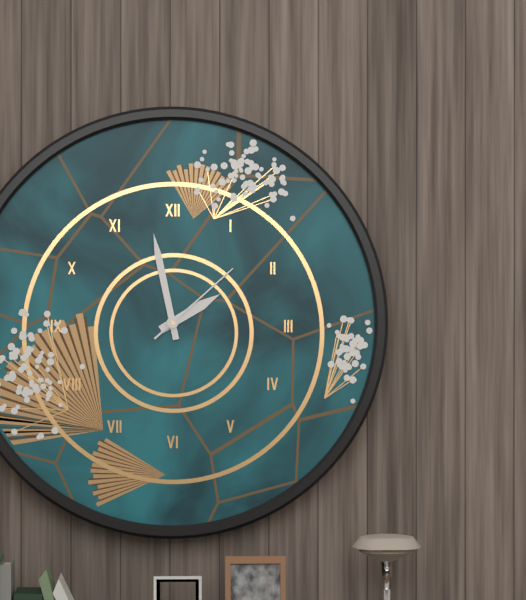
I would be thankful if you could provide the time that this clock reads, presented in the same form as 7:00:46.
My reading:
1:58:08
